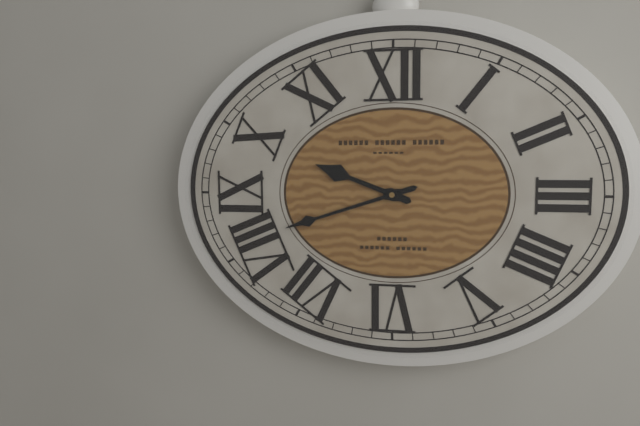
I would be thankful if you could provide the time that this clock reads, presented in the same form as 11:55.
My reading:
9:42
